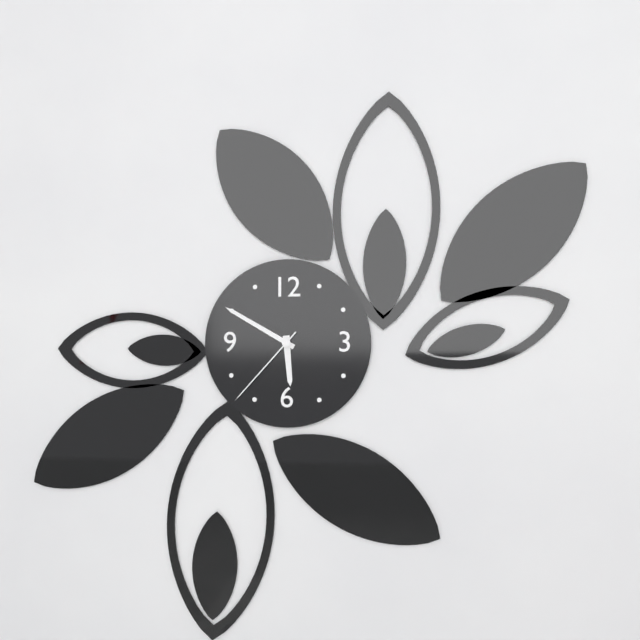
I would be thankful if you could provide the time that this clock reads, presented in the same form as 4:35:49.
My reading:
5:50:37
